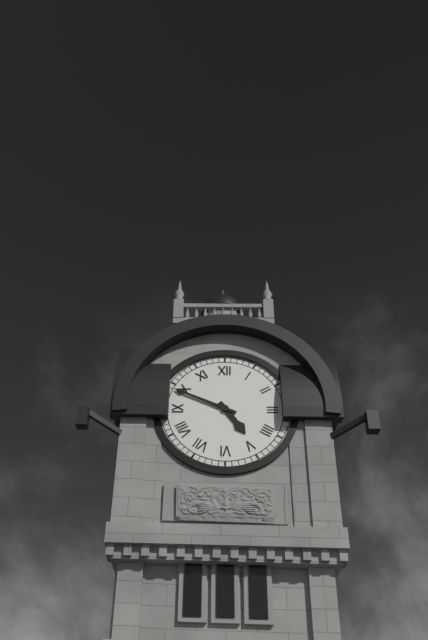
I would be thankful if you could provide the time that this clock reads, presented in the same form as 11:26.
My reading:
4:49
